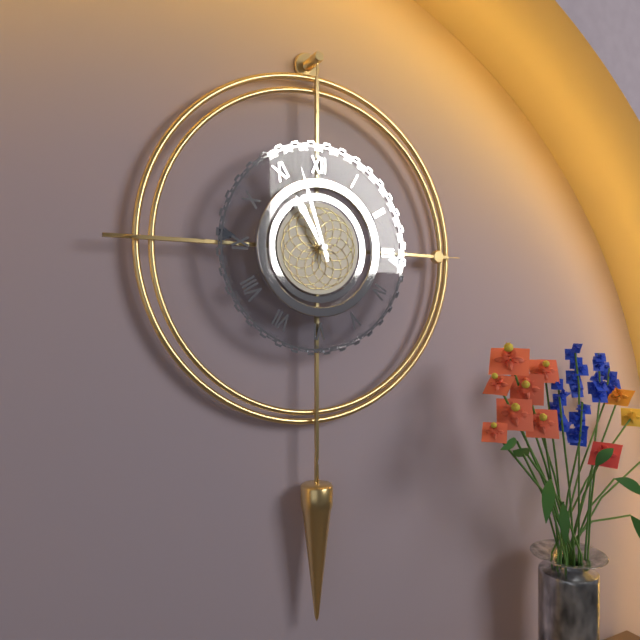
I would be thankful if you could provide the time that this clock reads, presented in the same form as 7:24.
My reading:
10:57
